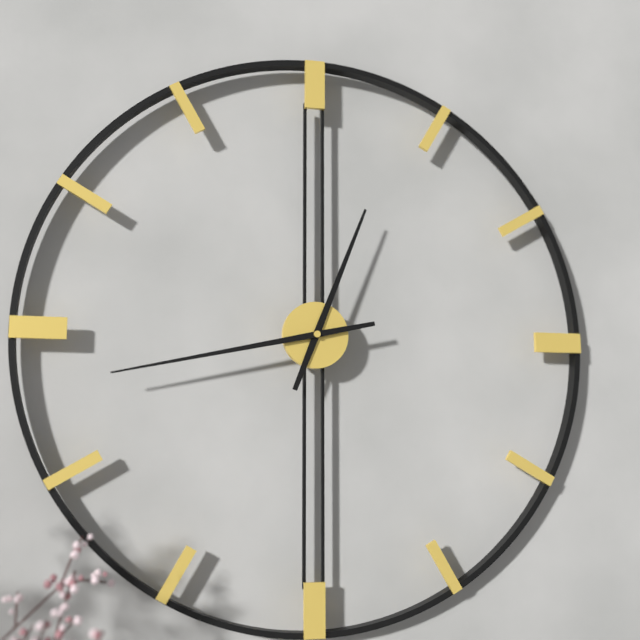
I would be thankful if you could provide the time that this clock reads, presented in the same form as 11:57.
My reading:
12:43
